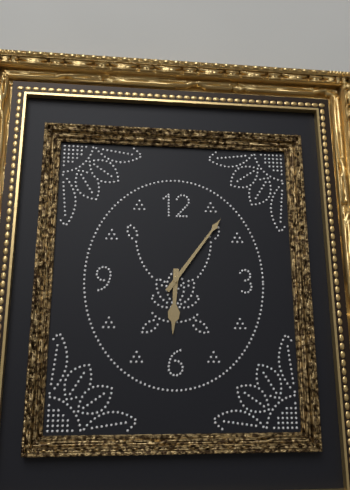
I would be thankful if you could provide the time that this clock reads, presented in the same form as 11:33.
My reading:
6:06
